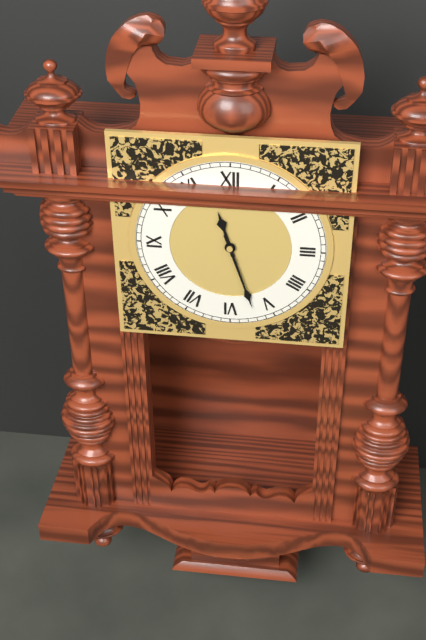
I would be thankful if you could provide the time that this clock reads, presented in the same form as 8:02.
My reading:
11:27
